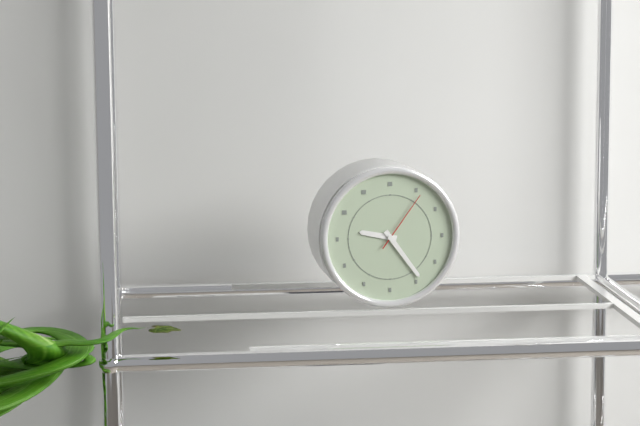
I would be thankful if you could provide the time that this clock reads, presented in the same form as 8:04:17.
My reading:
9:24:06
